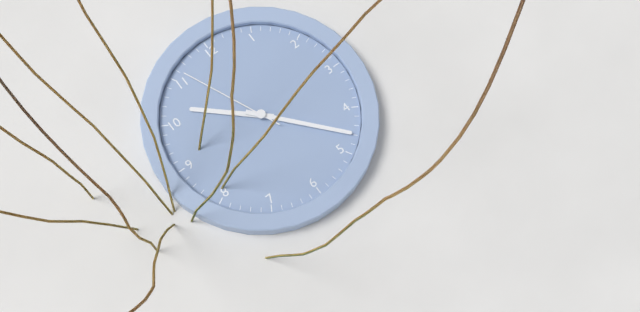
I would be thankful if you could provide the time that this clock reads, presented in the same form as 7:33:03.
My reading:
10:23:56
